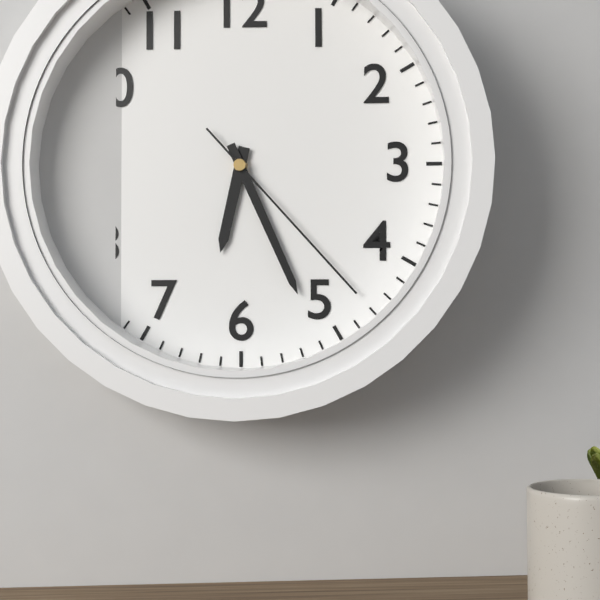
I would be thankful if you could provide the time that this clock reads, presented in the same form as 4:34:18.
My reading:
6:26:23
